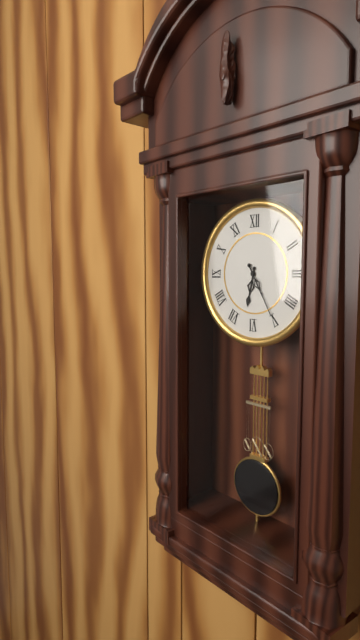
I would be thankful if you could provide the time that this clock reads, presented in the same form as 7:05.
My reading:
6:25
